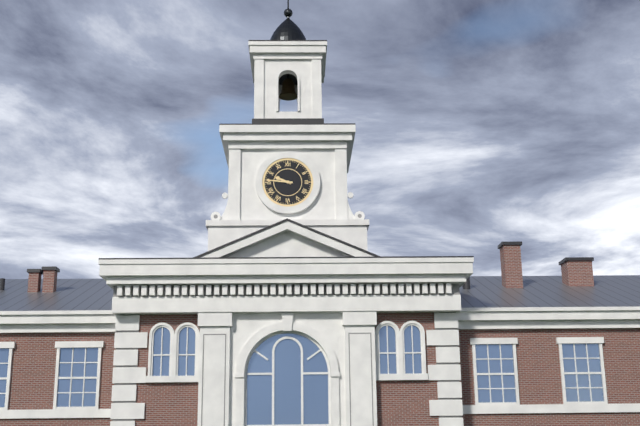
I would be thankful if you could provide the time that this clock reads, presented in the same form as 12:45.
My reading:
9:46
